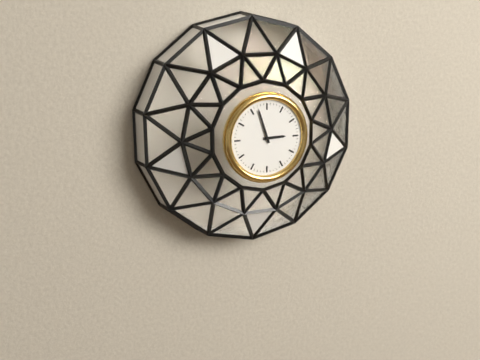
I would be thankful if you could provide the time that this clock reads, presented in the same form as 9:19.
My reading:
2:57
